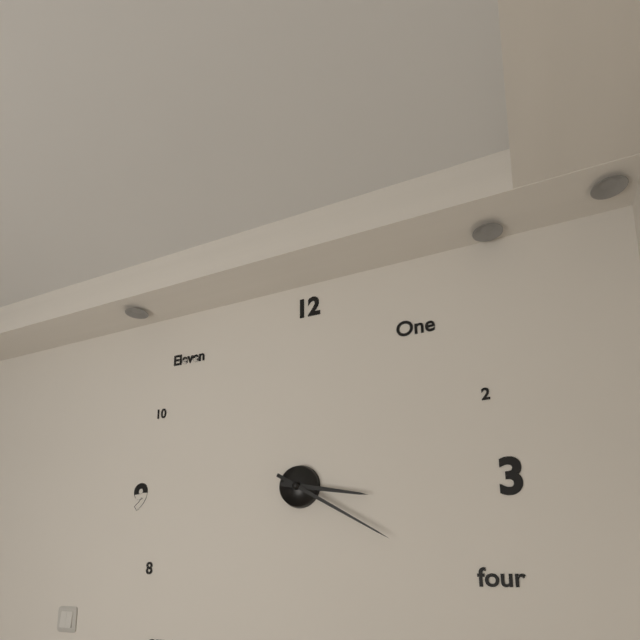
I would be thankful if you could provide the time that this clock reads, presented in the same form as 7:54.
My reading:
3:20
